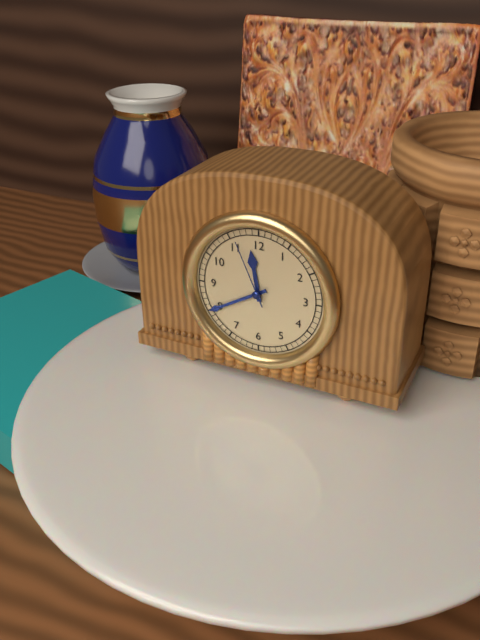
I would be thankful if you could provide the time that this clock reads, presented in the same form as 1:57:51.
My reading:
11:40:56
